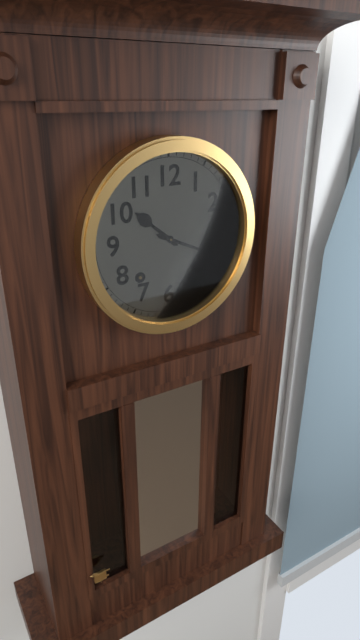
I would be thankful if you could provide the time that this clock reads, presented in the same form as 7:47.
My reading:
10:19
